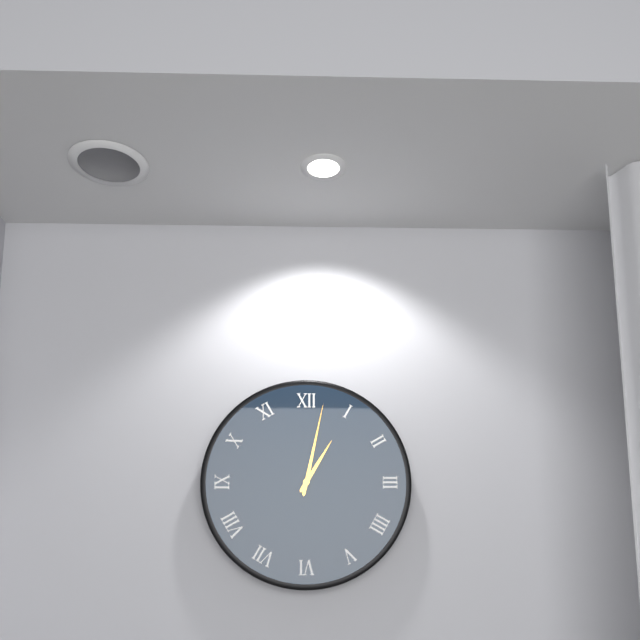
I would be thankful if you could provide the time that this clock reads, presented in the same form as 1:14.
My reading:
1:02
